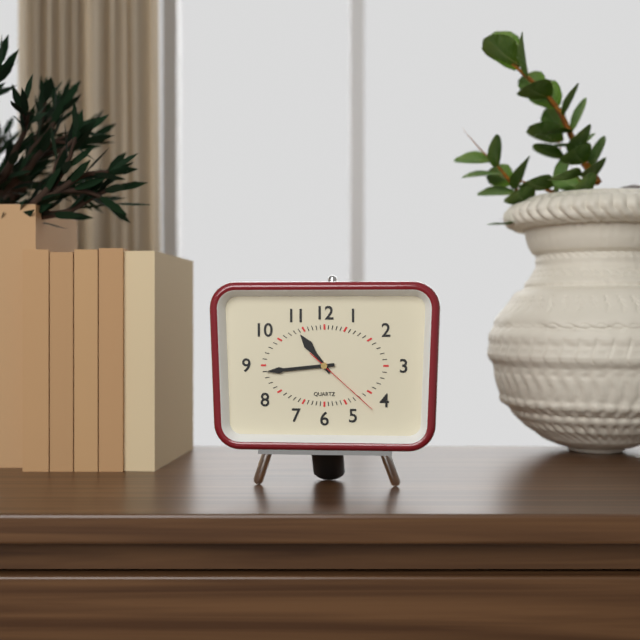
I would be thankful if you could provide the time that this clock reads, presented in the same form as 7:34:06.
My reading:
10:44:22
